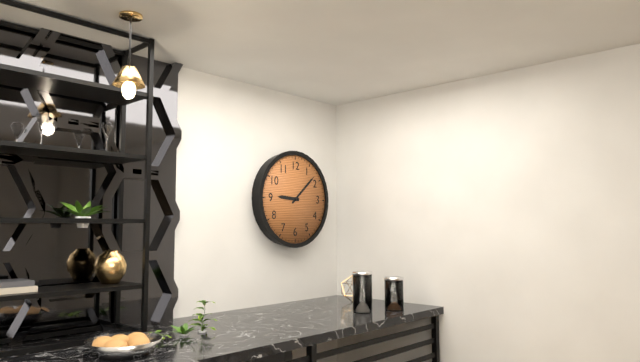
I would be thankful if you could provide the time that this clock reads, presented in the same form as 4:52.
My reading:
9:08
